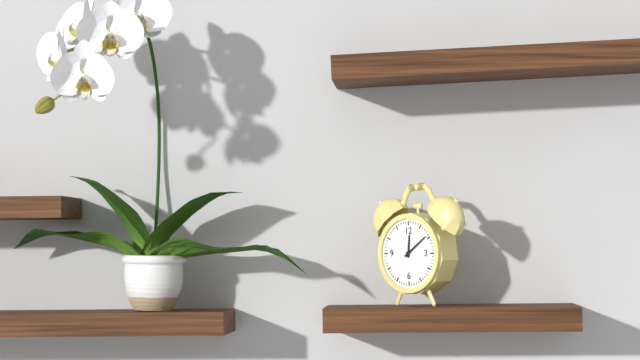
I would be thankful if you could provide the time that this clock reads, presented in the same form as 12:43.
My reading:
12:09
